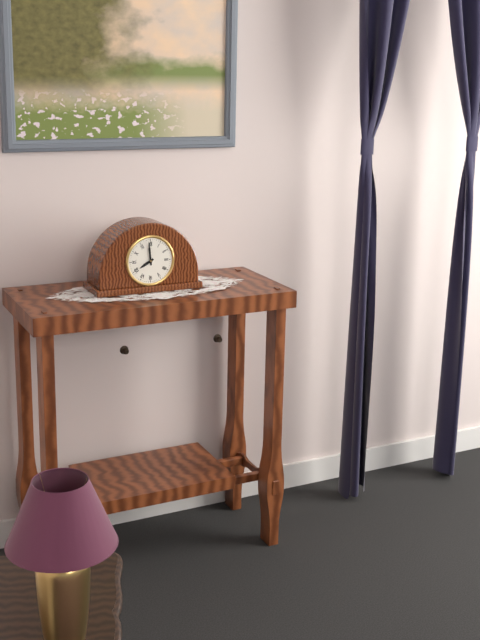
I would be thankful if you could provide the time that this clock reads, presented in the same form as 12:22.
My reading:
7:59
